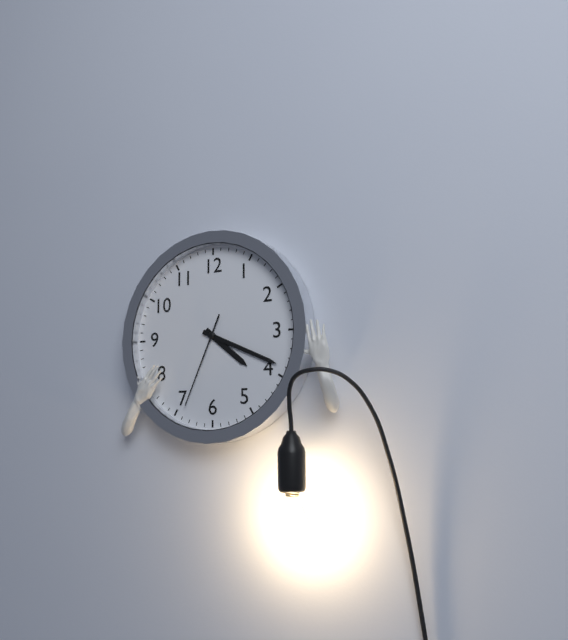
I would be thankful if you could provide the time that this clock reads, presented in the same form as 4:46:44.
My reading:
4:19:34
